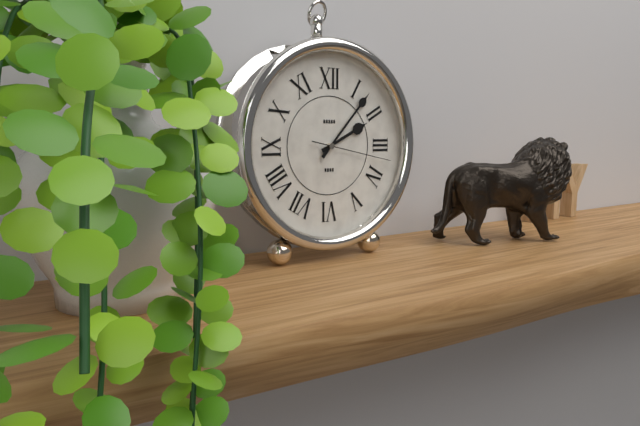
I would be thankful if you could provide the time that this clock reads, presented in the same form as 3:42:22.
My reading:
2:07:17
